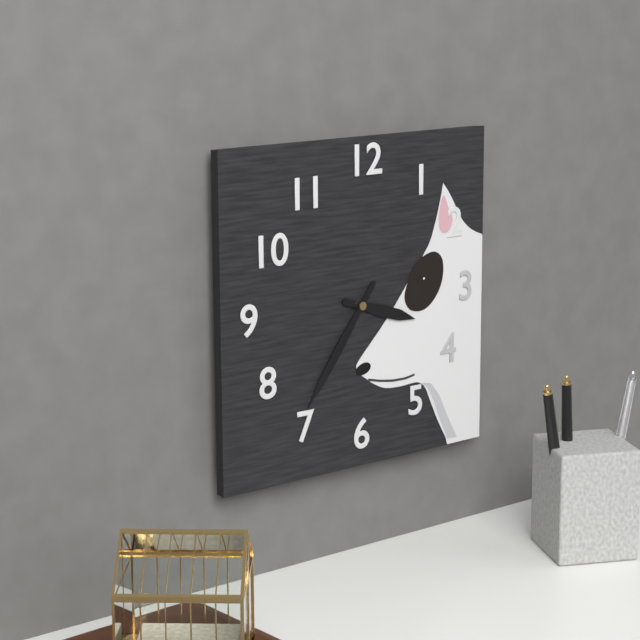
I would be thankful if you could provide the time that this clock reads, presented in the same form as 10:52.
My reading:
3:36
